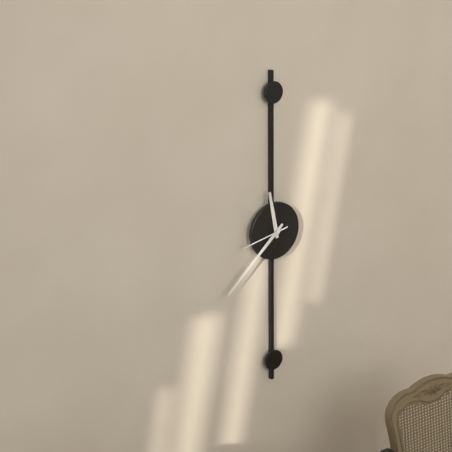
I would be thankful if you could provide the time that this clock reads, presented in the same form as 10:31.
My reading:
11:38
